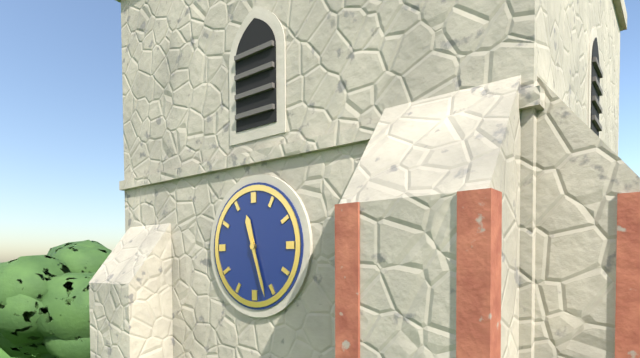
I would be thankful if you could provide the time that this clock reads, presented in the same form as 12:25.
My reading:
11:27
